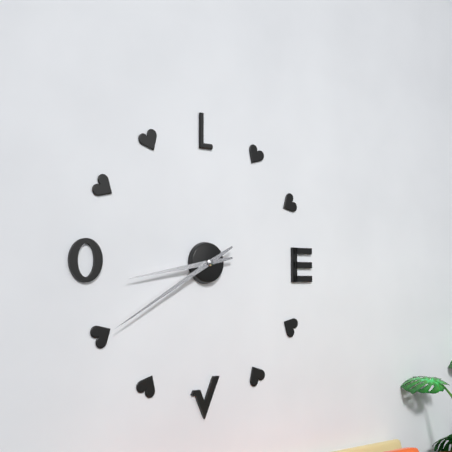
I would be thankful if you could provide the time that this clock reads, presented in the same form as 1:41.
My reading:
8:40
